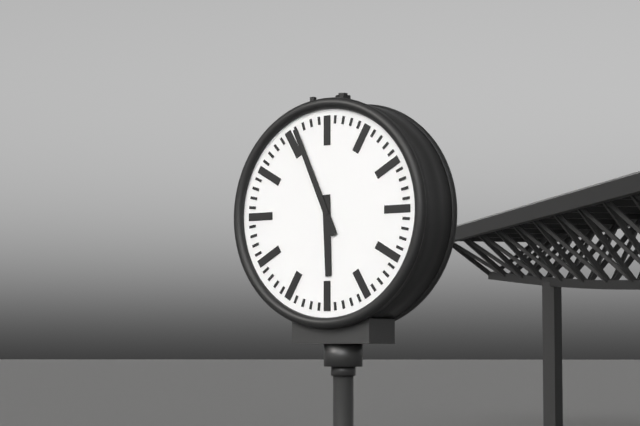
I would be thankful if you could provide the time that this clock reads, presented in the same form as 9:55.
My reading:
5:56
